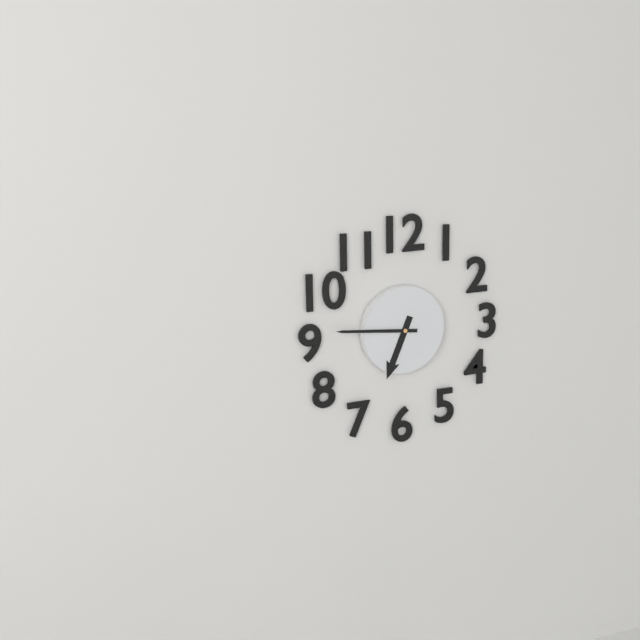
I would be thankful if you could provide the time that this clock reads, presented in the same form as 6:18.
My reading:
6:46
